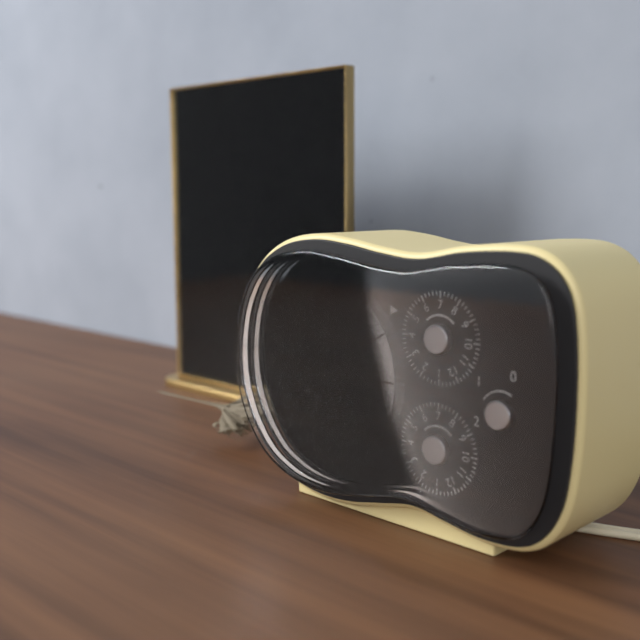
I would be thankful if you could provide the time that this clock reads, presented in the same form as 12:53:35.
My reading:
5:07:23
